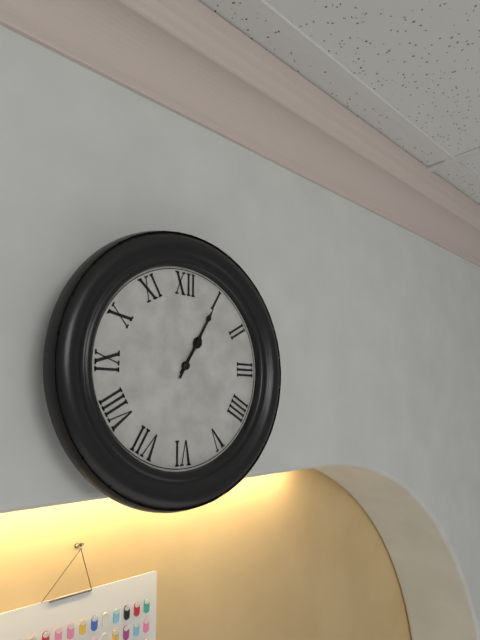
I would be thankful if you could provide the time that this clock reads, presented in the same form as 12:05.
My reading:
1:05
